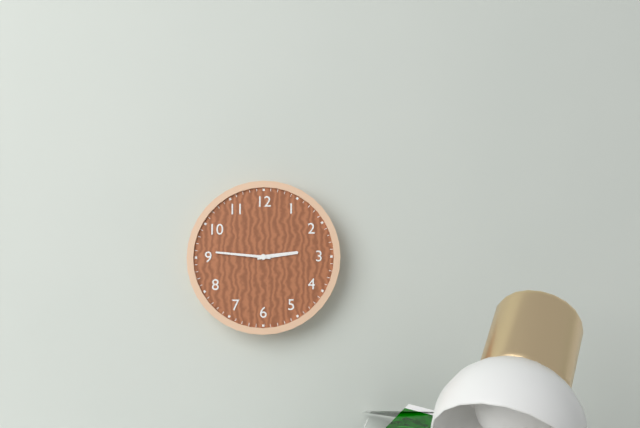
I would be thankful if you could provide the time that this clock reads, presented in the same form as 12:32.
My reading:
2:46
